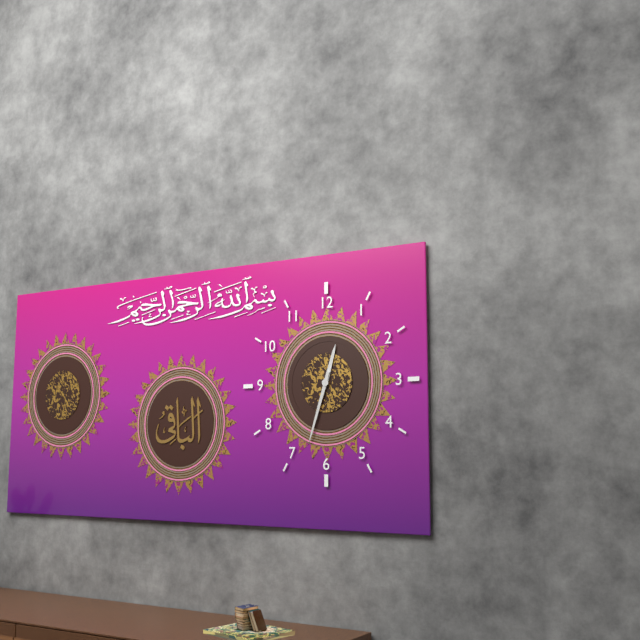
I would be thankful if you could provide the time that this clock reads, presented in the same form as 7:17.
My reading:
12:33
